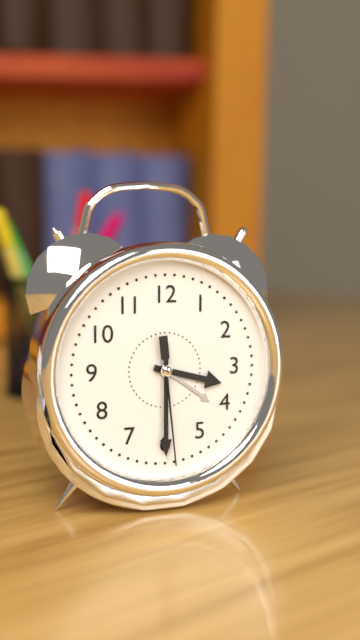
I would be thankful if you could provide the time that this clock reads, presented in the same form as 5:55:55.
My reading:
3:30:29
